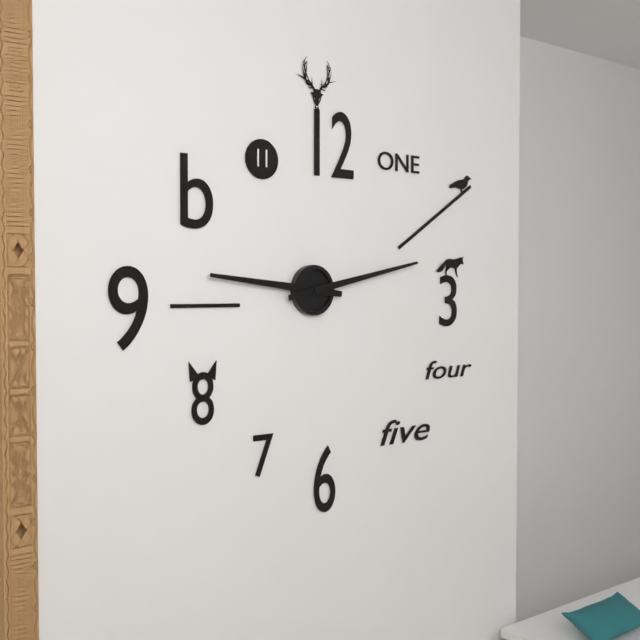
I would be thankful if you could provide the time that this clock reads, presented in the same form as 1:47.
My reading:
9:13
